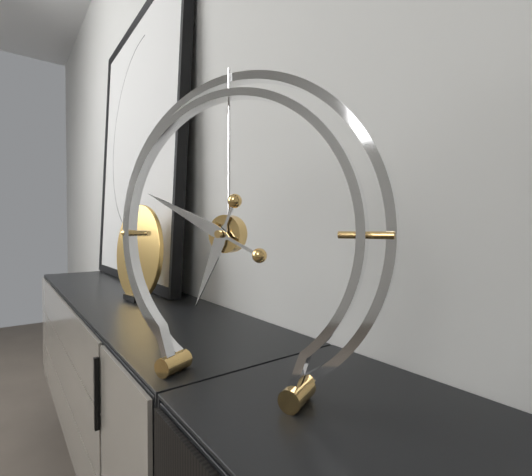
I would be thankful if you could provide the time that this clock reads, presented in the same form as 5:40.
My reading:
6:49
